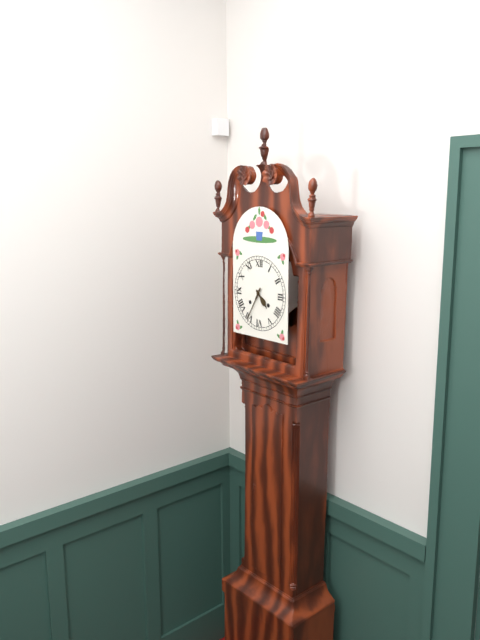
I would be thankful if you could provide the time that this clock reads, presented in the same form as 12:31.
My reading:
4:35
